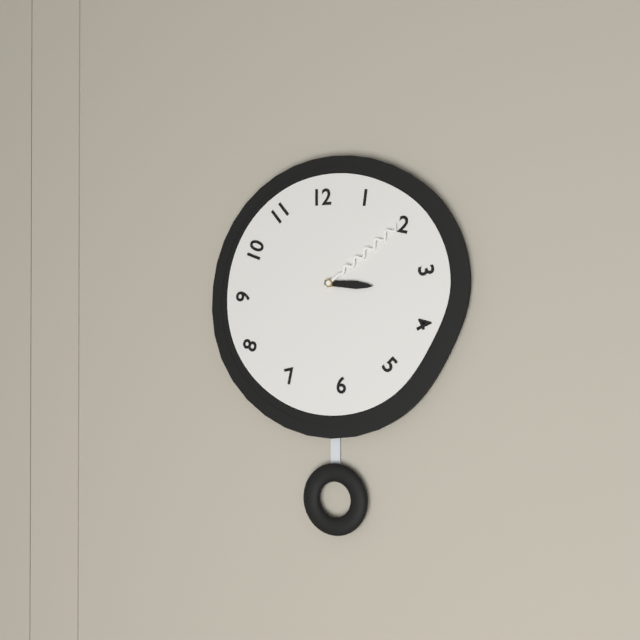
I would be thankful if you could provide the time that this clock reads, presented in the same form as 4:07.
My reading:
3:09
